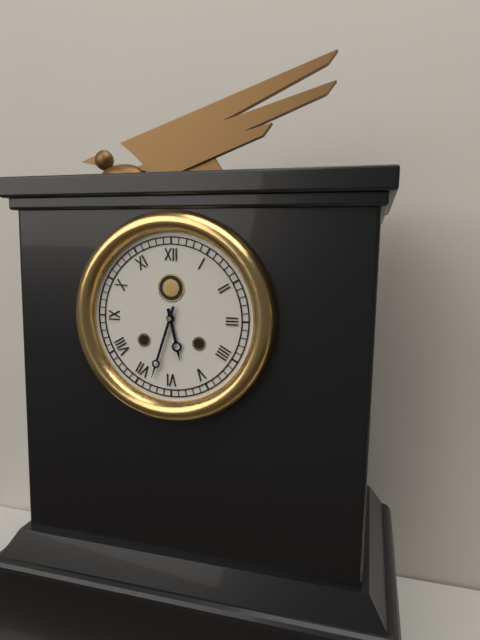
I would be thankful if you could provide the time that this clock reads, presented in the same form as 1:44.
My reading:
5:33
